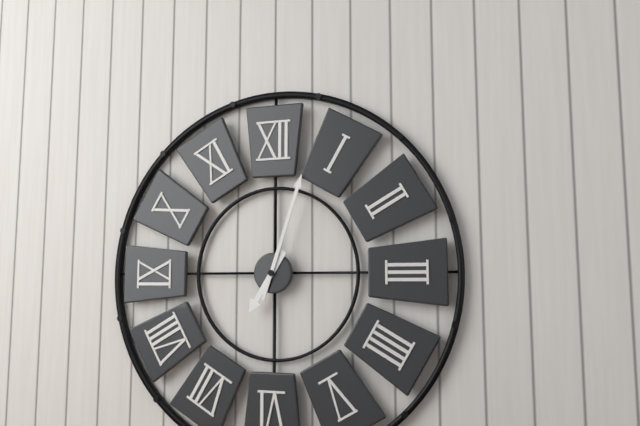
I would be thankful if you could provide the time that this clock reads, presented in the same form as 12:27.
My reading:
7:03
